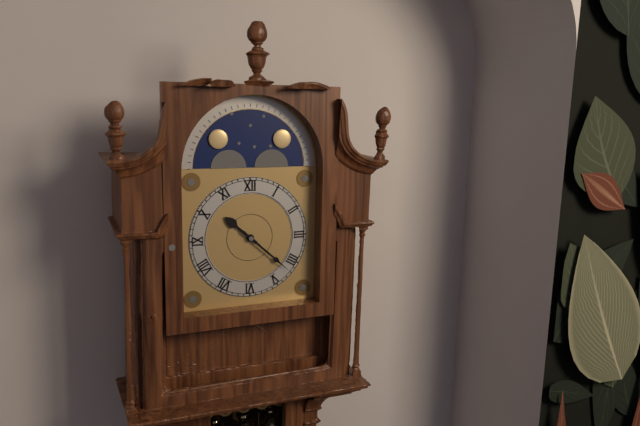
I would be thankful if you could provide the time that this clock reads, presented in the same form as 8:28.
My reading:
10:22
